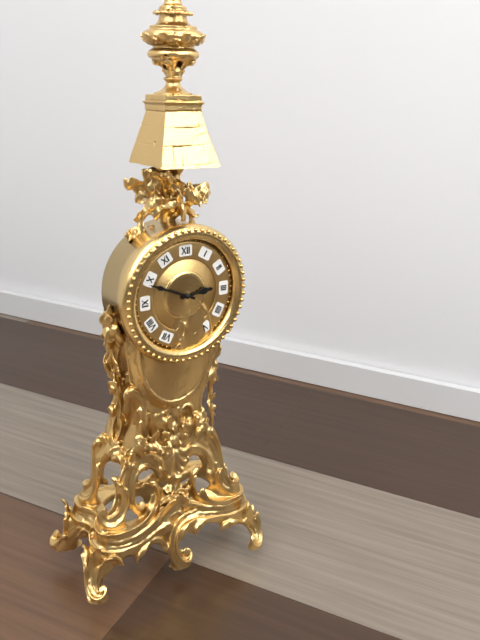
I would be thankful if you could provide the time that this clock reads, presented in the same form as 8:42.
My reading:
2:49
